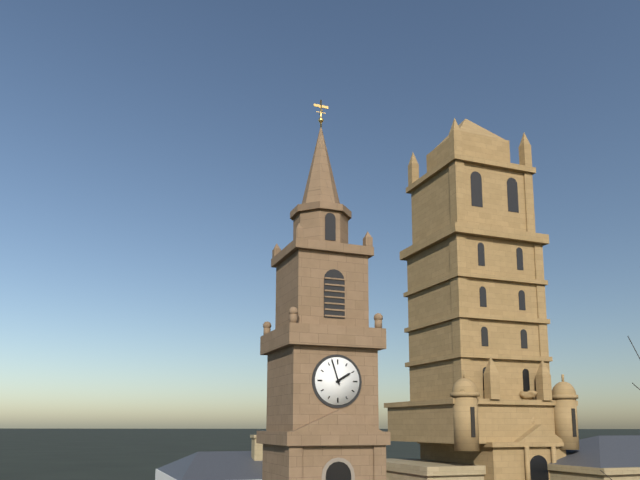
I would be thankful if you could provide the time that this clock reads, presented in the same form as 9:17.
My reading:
1:57
